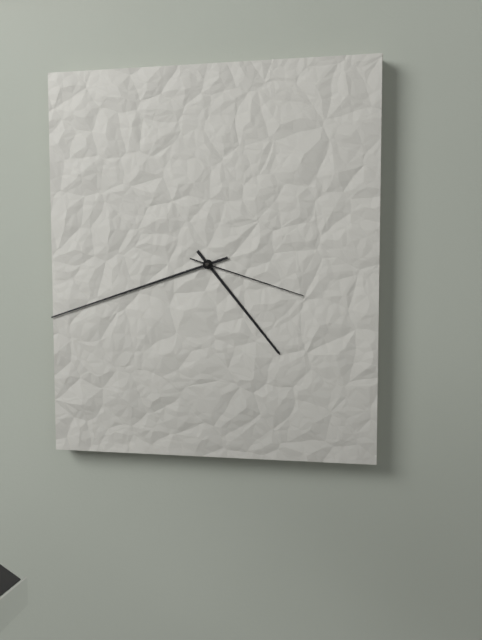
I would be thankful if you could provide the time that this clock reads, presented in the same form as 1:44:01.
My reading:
4:42:18
